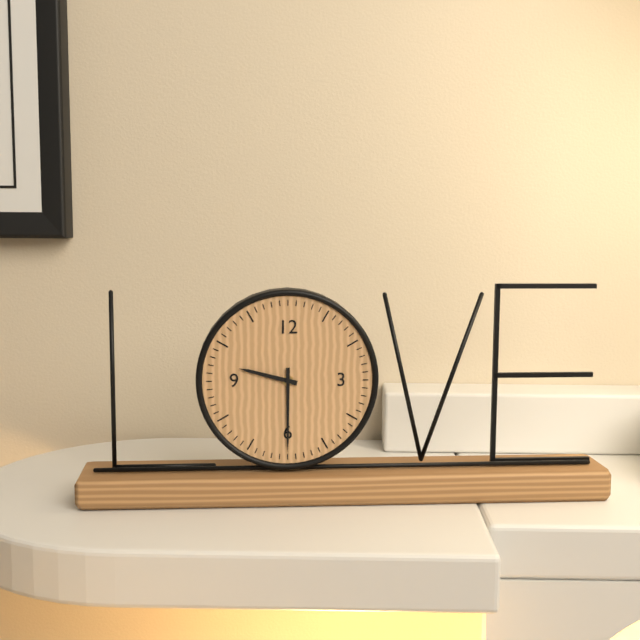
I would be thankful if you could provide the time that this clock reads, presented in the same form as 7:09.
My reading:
9:30
